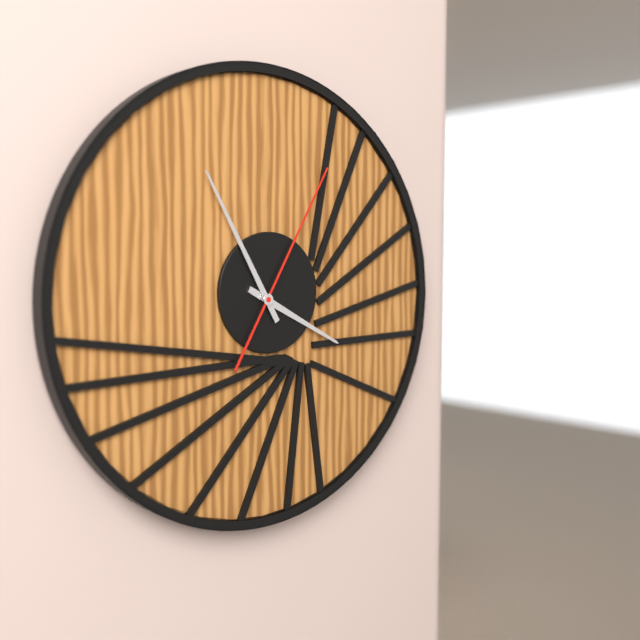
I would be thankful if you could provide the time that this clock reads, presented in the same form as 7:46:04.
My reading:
3:55:05
